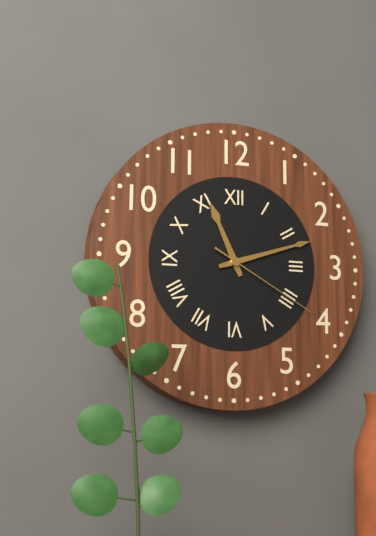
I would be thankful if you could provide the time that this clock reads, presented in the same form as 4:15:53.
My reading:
11:12:20
